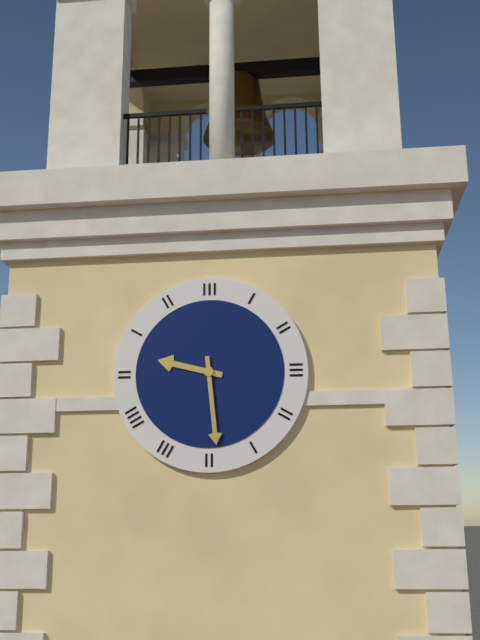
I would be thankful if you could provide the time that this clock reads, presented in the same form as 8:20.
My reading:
9:29
